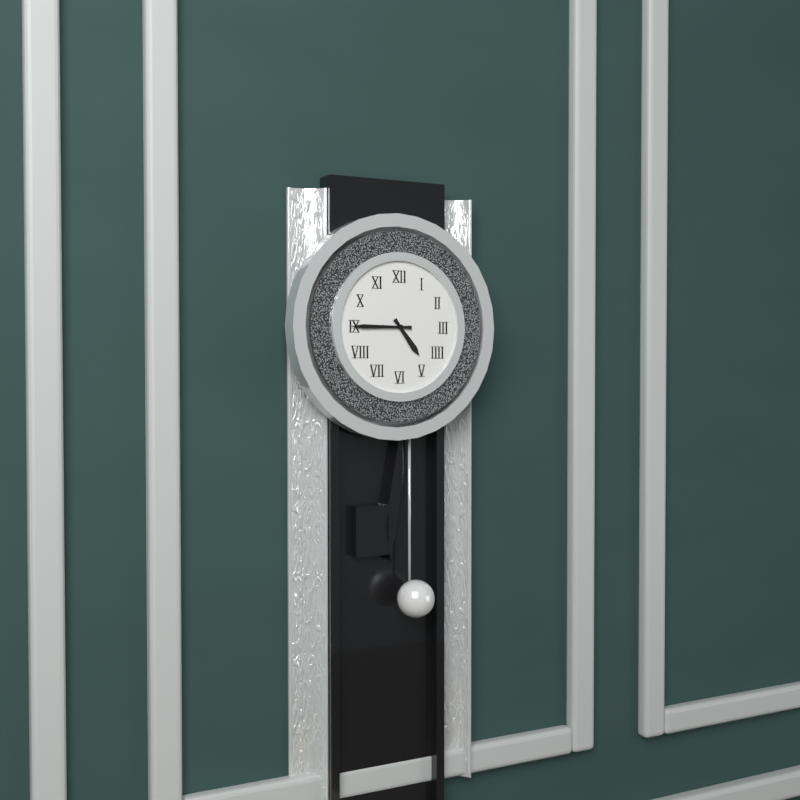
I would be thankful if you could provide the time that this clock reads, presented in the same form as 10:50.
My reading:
4:45
